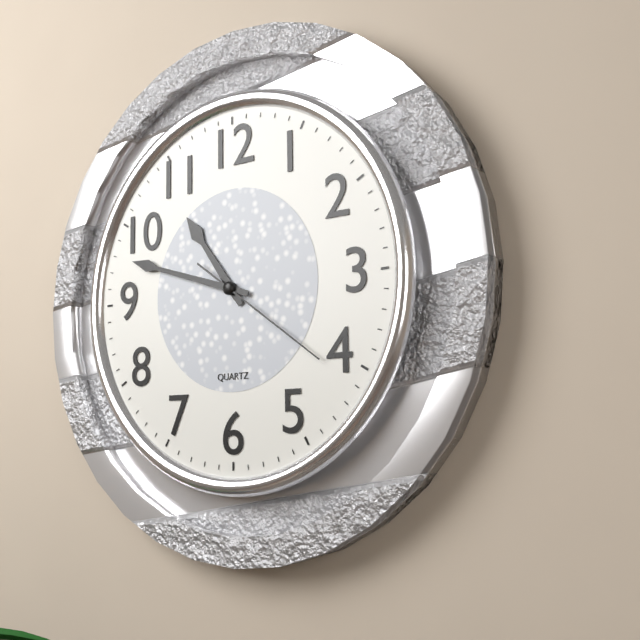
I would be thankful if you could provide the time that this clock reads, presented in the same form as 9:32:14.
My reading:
10:48:21
